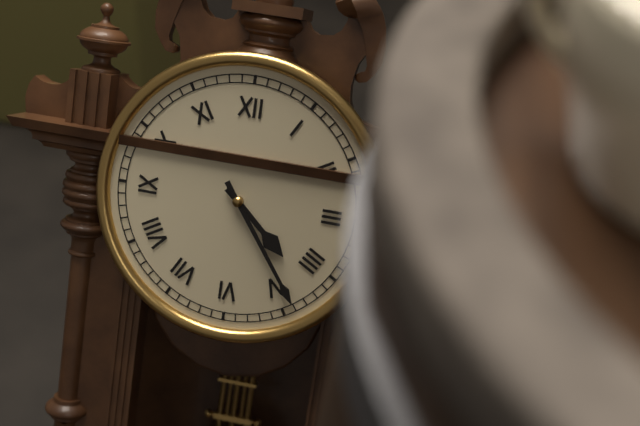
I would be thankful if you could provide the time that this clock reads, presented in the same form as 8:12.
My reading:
4:24
